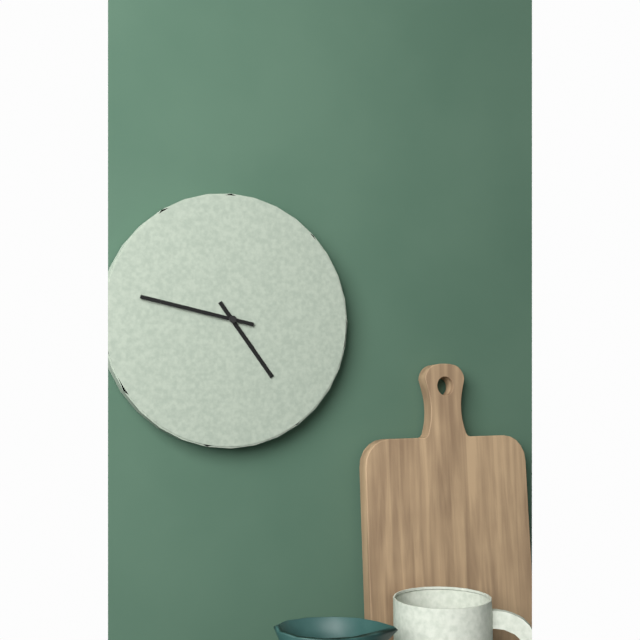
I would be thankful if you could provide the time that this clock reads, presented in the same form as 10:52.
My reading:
4:47
